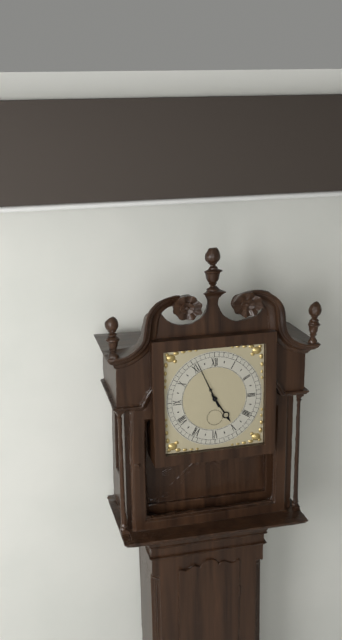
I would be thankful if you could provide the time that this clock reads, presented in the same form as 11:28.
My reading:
4:56
